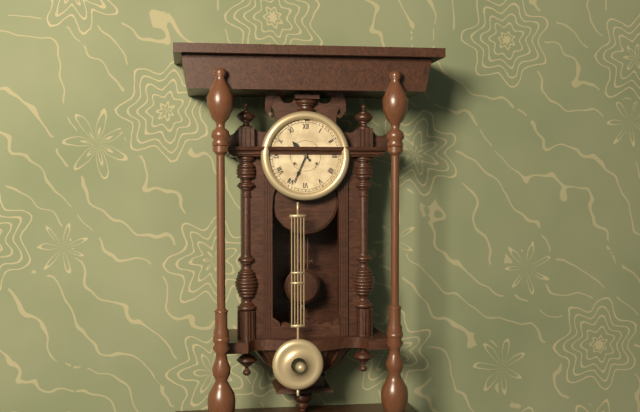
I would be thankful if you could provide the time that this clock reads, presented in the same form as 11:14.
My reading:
10:34
